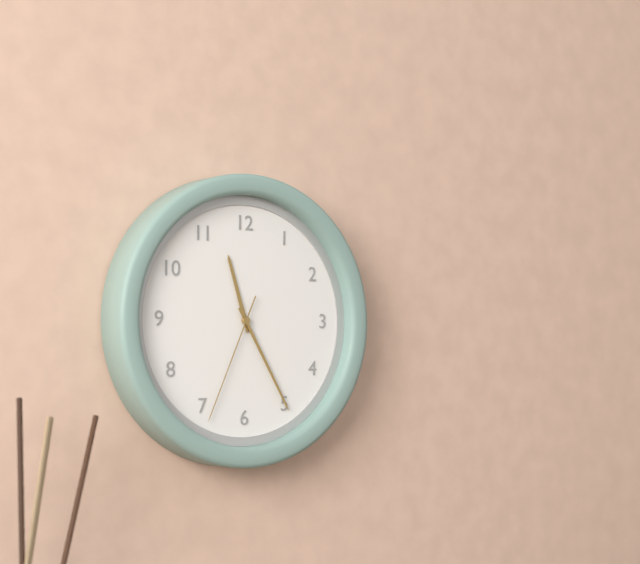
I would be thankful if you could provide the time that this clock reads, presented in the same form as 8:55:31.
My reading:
11:25:34
